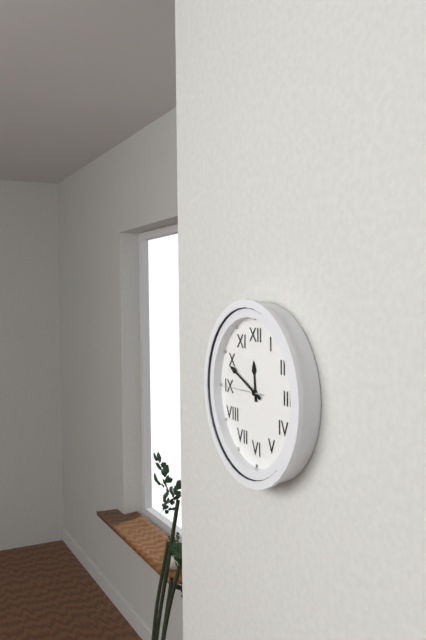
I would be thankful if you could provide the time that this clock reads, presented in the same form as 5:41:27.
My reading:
11:49:45
